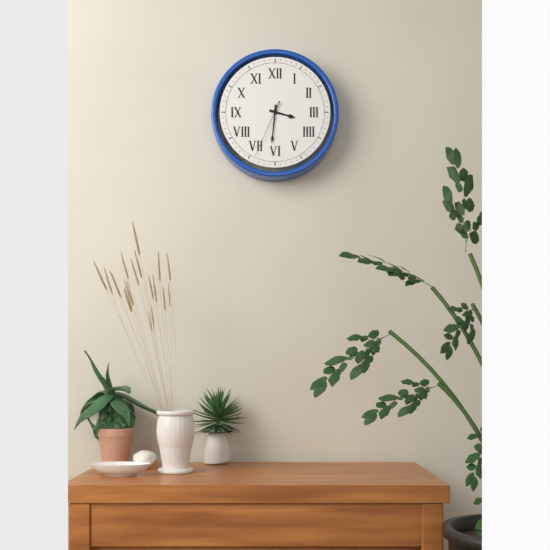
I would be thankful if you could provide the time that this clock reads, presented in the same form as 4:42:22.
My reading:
3:31:34
